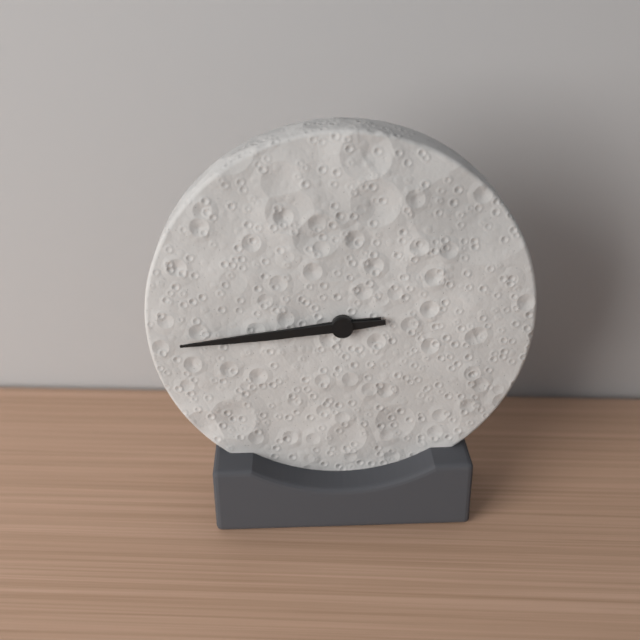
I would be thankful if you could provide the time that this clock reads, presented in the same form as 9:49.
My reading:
8:44
